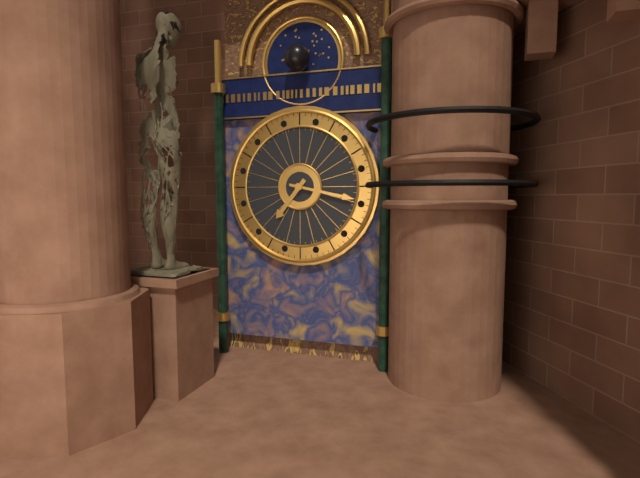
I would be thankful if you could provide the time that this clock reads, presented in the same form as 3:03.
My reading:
7:17
